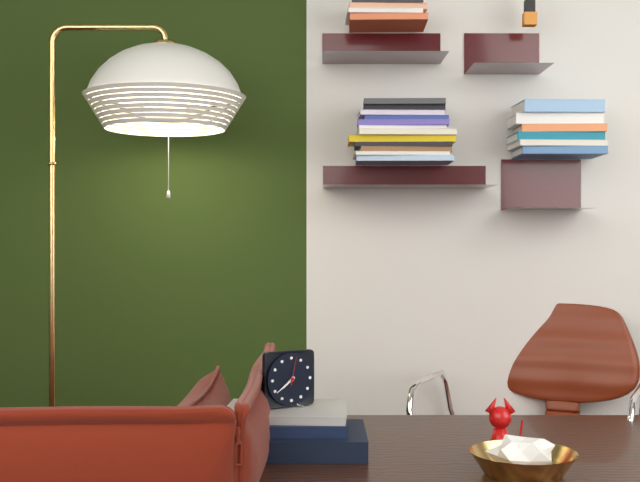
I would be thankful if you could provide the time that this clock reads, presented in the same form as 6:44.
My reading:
7:39
